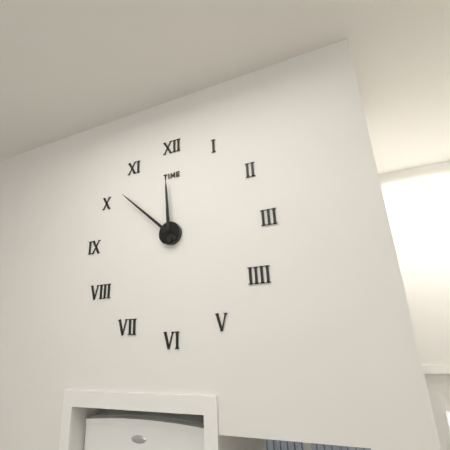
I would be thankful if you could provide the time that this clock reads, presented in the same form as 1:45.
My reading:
11:52
